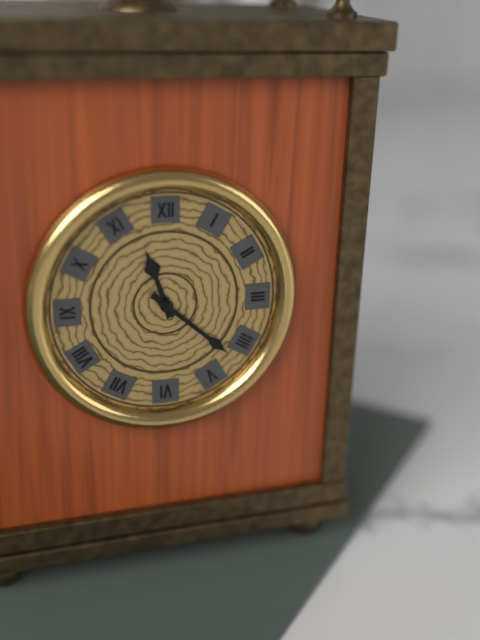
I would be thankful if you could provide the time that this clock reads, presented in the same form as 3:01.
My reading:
11:22
